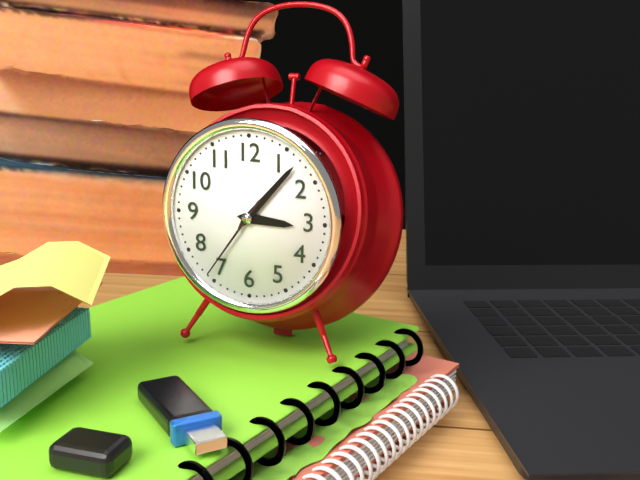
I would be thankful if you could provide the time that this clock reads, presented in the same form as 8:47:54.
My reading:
3:07:36
